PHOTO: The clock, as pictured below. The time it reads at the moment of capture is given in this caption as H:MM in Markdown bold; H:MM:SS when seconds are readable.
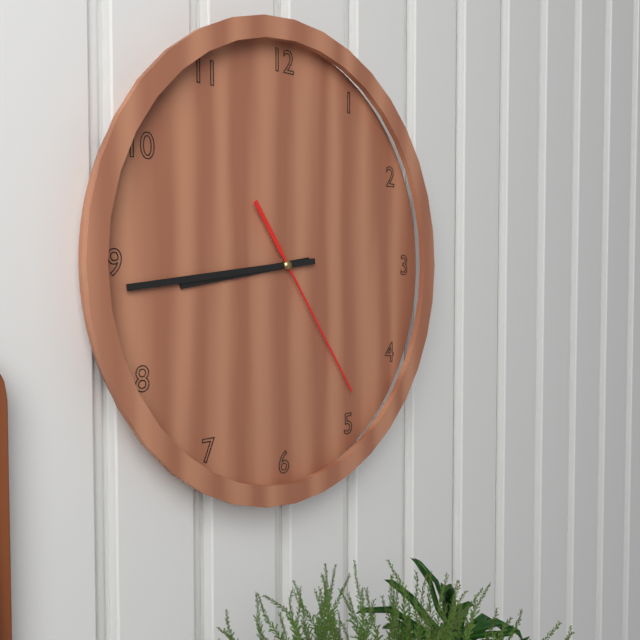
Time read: **8:44:24**
